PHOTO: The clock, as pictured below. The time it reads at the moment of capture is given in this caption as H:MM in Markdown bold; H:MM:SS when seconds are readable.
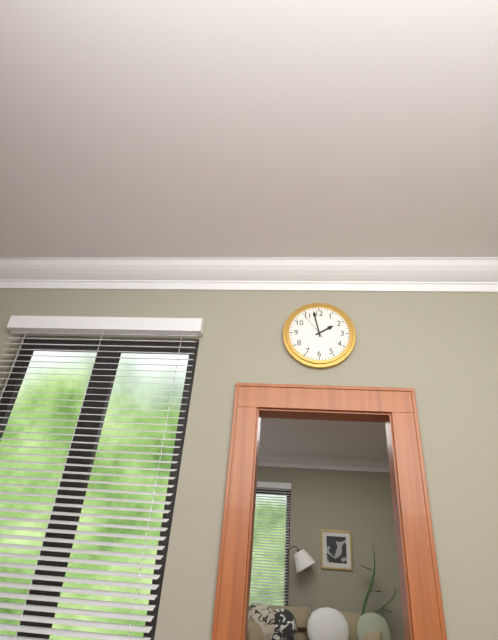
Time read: **1:58**
